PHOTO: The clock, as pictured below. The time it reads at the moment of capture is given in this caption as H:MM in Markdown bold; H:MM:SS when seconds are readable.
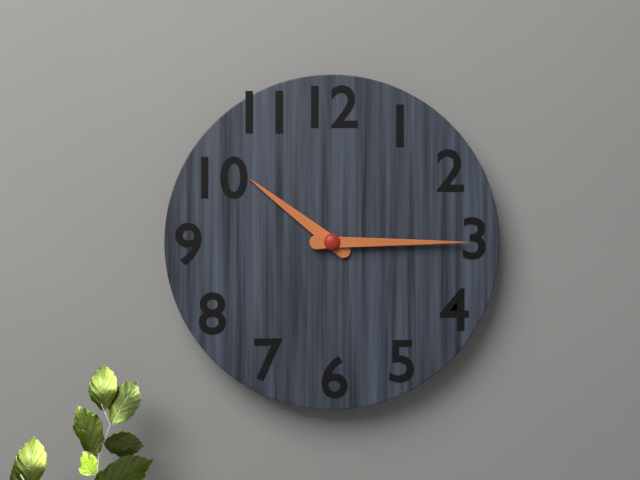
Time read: **10:15**
